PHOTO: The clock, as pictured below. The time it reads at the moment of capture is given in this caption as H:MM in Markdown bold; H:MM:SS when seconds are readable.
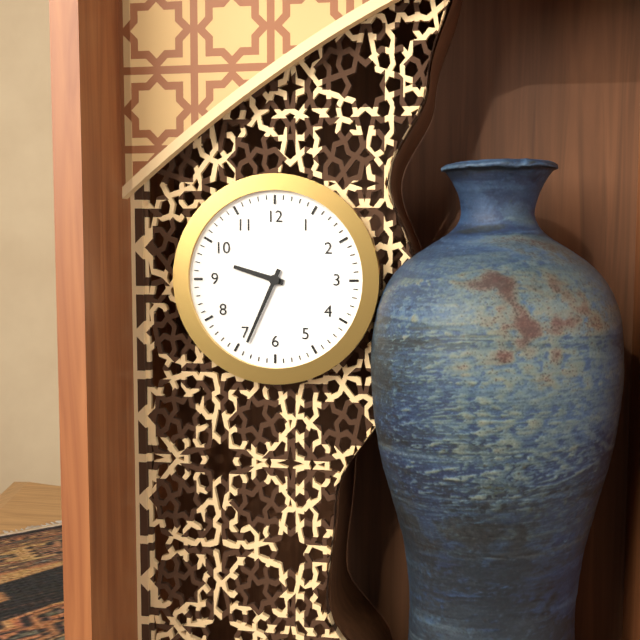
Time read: **9:34**
